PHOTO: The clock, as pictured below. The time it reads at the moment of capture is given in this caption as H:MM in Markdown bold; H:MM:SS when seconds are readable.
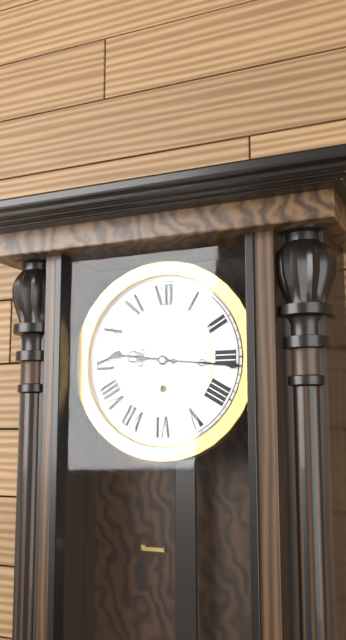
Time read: **9:16**
